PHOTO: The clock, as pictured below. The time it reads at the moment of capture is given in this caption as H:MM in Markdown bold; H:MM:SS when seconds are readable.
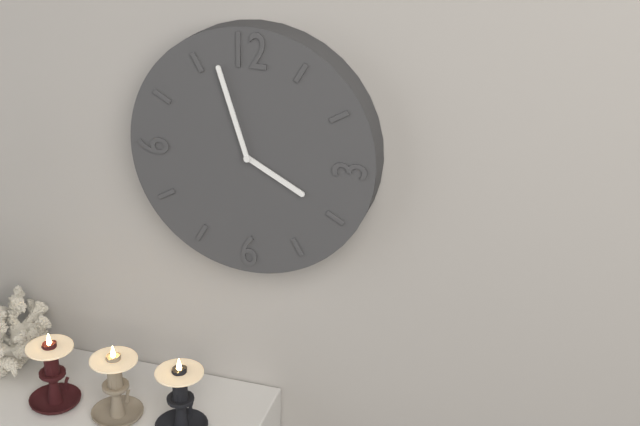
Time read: **3:57**
